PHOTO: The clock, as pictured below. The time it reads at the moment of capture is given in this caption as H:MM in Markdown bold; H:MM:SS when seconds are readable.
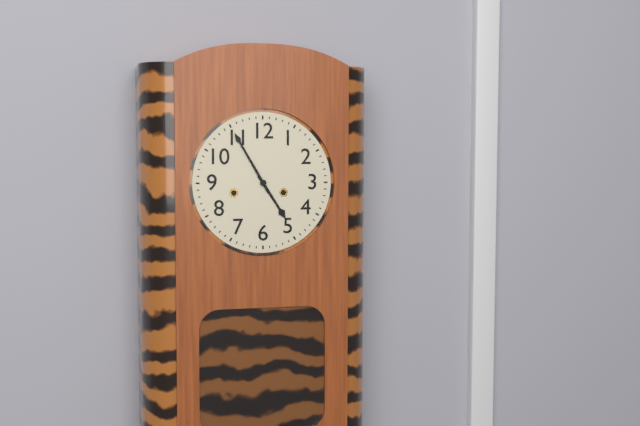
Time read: **4:55**
